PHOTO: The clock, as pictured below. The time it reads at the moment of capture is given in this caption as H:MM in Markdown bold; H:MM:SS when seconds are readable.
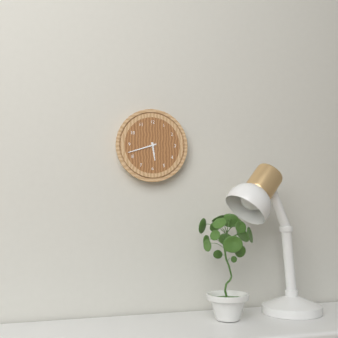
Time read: **5:42**
